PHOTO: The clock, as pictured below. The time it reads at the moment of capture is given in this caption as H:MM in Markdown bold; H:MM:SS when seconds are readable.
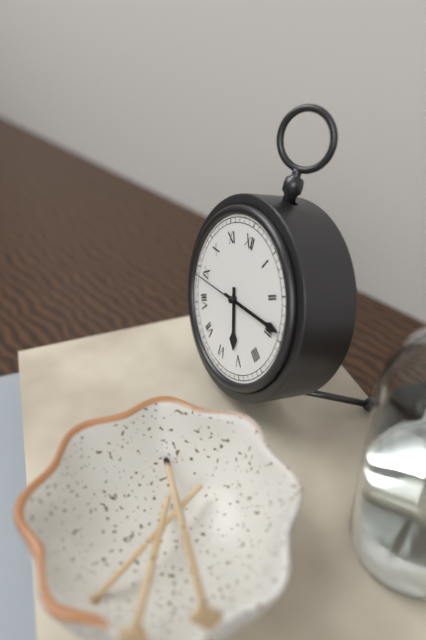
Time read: **5:14:44**
